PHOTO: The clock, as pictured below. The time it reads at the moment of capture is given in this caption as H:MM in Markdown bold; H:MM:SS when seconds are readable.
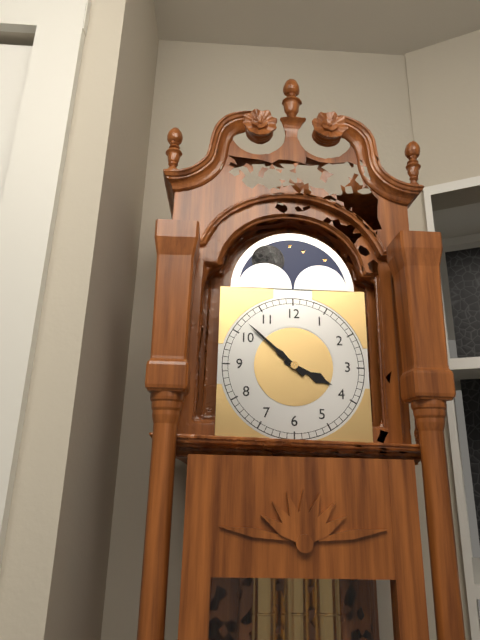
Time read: **3:52**
